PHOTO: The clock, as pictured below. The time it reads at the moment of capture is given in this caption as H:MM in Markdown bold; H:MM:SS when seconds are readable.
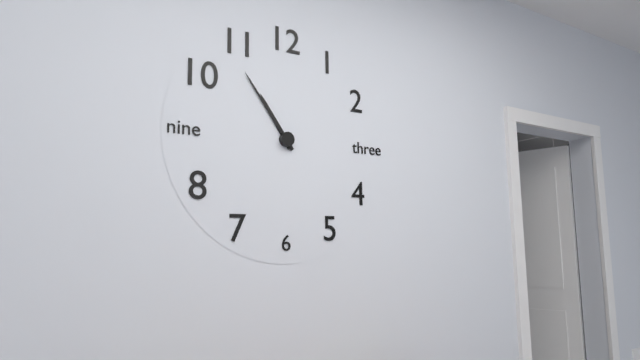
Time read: **10:54**
